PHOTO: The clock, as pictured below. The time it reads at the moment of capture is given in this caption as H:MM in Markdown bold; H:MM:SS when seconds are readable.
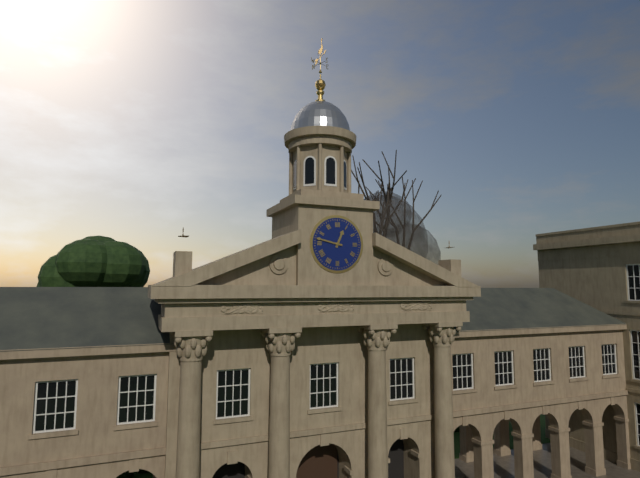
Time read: **12:47**
